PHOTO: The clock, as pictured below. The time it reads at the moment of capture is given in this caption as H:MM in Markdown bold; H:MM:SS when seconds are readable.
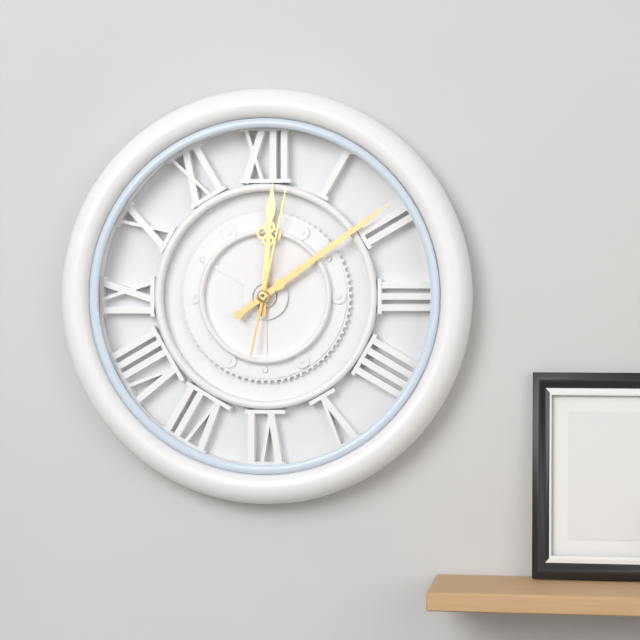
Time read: **12:09:02**
